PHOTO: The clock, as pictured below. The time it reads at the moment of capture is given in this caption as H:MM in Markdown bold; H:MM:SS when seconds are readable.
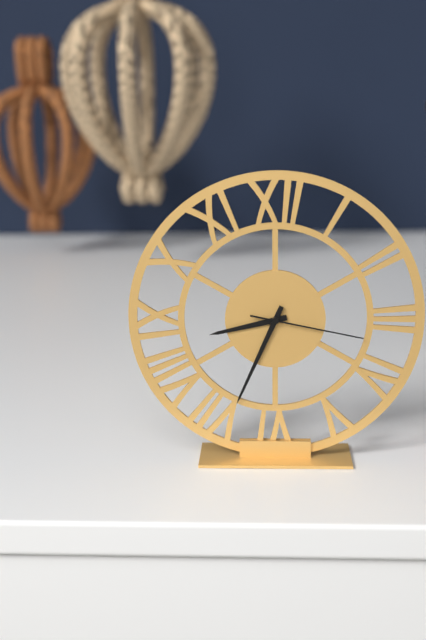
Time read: **8:34:17**
